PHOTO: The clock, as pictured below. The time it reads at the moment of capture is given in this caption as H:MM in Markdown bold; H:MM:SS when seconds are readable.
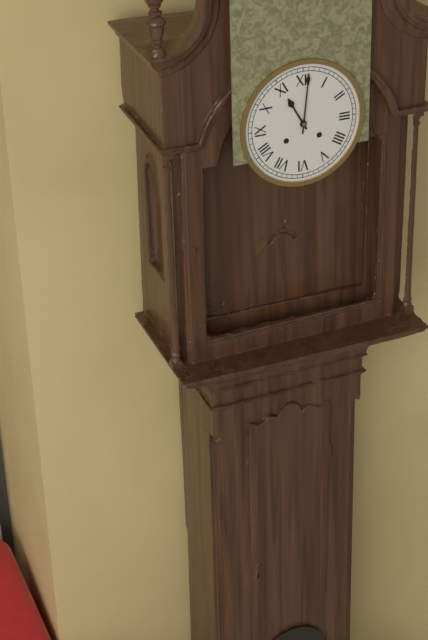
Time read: **11:01**
